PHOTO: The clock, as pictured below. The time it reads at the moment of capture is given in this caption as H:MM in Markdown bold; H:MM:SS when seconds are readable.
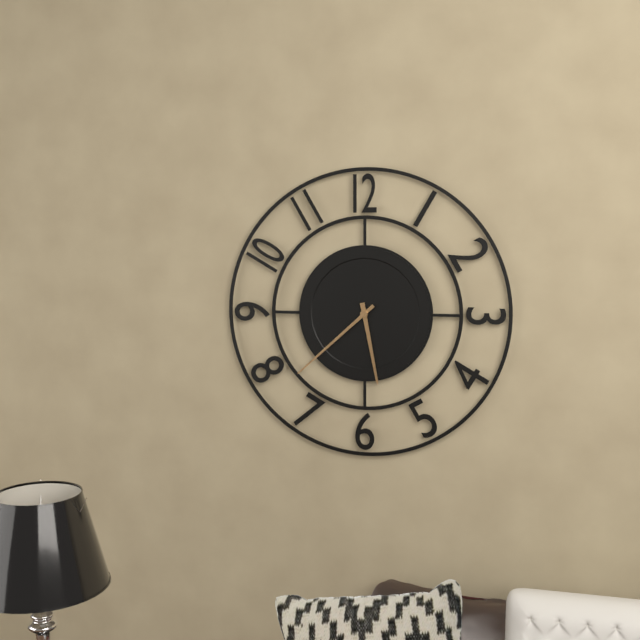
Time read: **5:38**
